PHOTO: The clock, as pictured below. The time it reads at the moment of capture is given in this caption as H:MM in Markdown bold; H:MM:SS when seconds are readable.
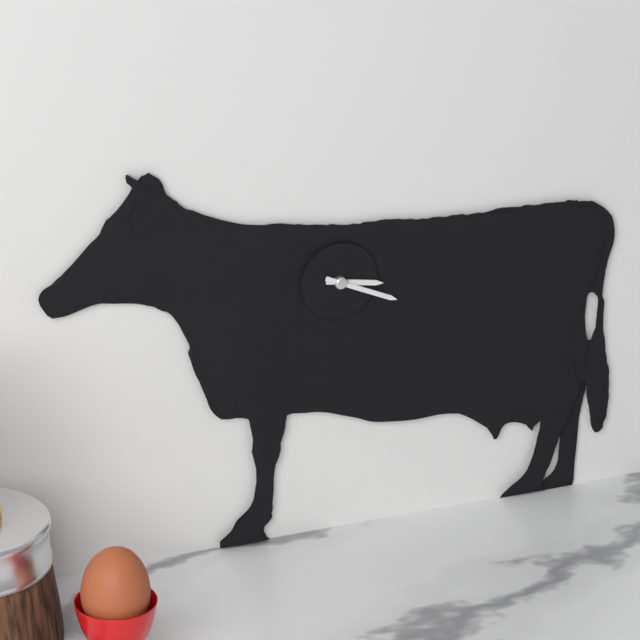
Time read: **3:19**
